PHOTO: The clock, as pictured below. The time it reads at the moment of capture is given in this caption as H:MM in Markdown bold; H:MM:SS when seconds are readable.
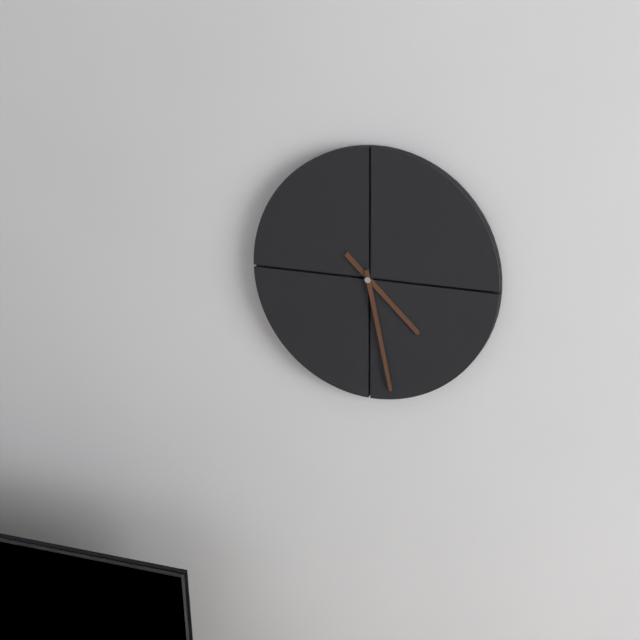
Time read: **4:28**
